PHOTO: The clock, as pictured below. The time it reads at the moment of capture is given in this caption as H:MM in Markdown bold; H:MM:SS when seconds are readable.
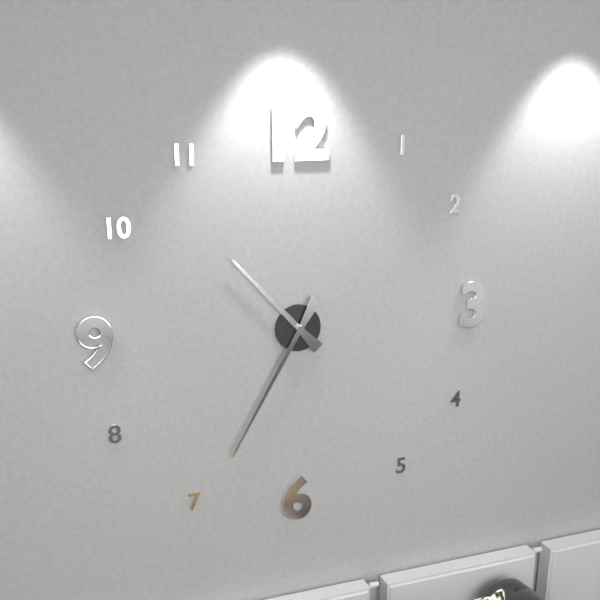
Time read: **10:35**
